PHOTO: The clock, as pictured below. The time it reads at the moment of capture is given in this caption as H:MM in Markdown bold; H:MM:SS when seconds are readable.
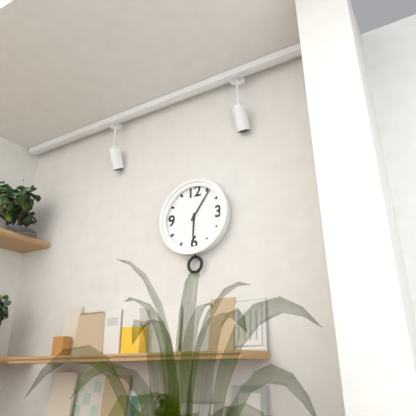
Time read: **6:06**
